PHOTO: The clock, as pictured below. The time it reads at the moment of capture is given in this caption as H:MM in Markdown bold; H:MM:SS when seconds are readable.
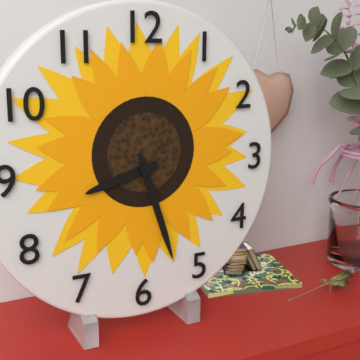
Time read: **8:27**
